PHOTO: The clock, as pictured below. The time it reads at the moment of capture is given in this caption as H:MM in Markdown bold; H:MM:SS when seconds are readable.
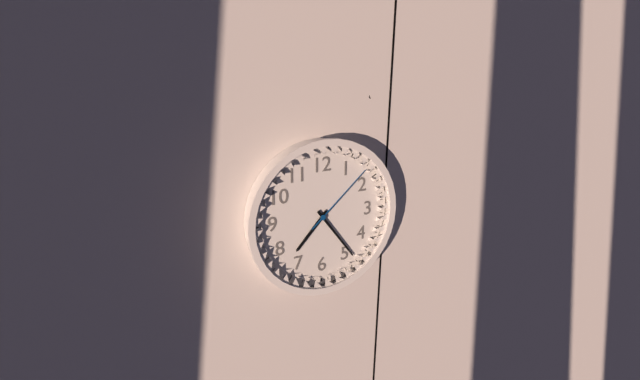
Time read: **7:24:08**
